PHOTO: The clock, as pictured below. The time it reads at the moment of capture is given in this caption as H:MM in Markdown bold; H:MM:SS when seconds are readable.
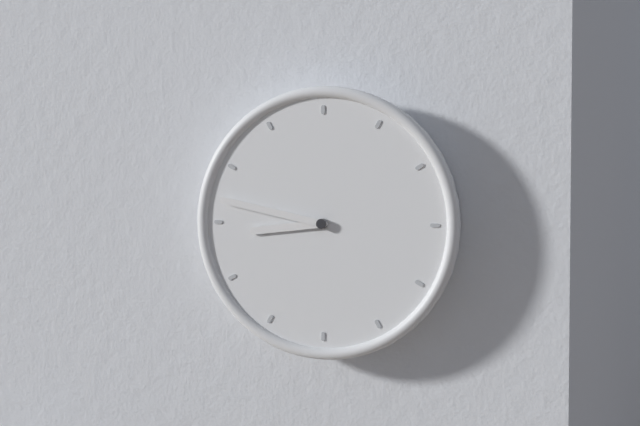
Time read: **8:47**
